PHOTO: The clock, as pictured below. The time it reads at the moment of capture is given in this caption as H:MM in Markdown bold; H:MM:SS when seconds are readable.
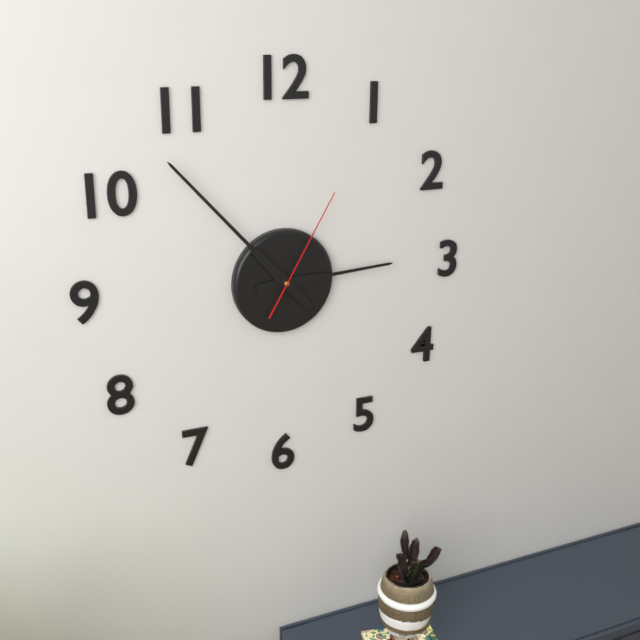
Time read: **2:53:05**
